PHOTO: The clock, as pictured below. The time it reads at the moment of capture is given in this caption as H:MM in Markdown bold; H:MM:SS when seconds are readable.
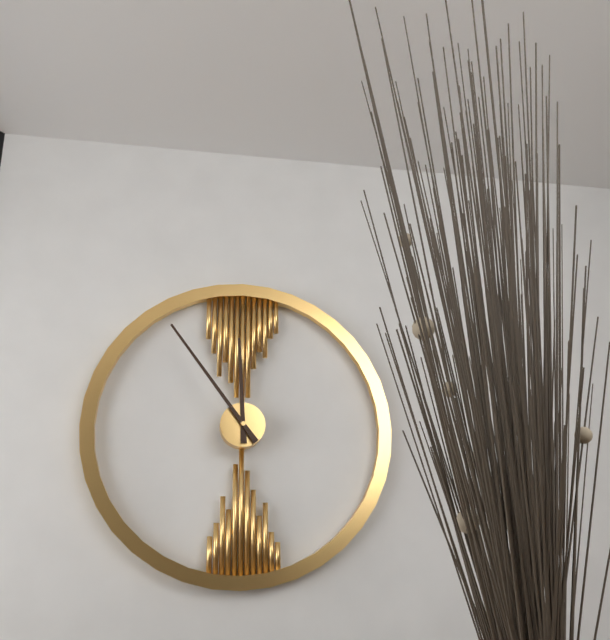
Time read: **11:54**
